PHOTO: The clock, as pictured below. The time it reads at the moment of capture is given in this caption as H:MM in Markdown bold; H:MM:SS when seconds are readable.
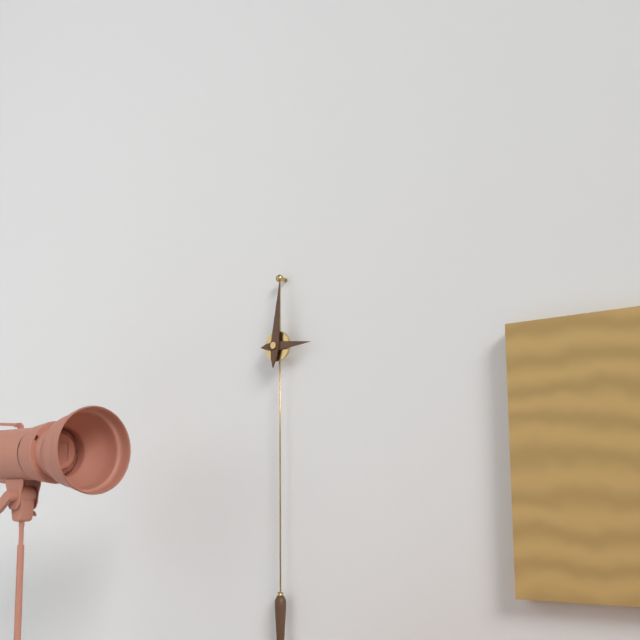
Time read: **3:01**
